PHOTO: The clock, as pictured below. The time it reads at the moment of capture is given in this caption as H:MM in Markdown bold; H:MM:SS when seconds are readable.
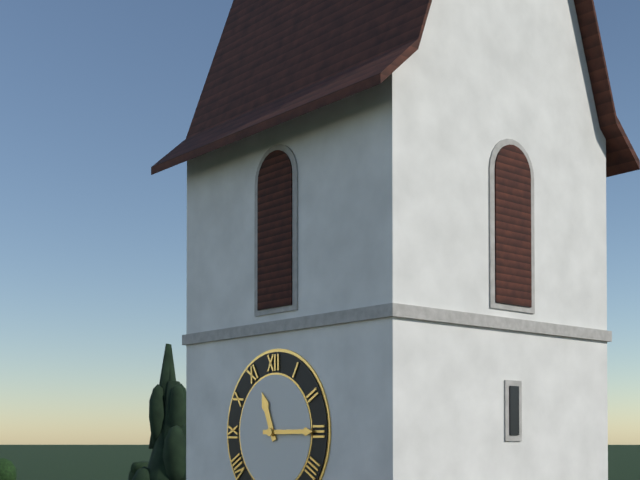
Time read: **11:15**
